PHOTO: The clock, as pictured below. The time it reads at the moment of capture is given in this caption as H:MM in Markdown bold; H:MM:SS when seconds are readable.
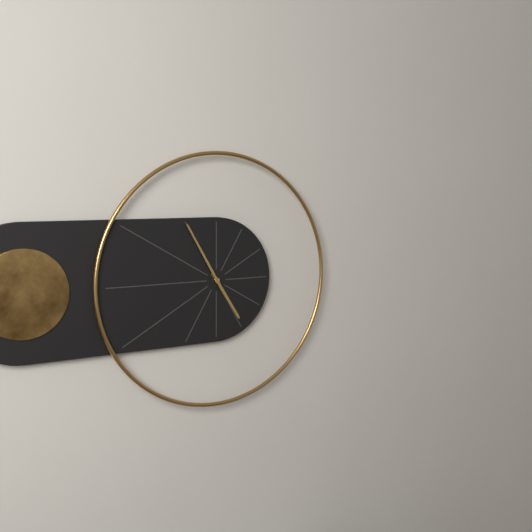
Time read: **4:55**
